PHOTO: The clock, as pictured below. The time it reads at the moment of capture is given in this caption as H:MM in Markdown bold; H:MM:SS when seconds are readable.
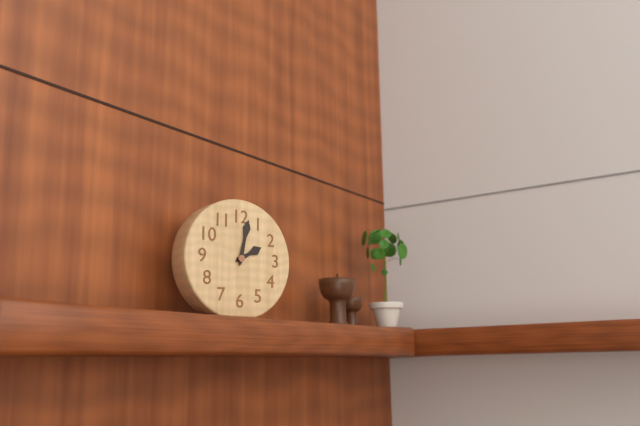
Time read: **2:02**
